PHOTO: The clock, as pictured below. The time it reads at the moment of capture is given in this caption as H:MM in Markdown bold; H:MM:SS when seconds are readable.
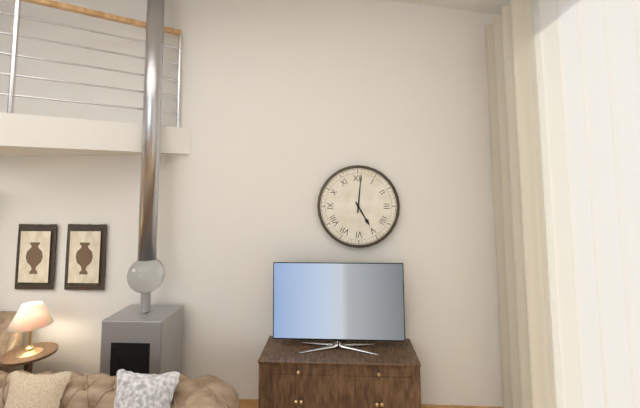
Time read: **5:01**
